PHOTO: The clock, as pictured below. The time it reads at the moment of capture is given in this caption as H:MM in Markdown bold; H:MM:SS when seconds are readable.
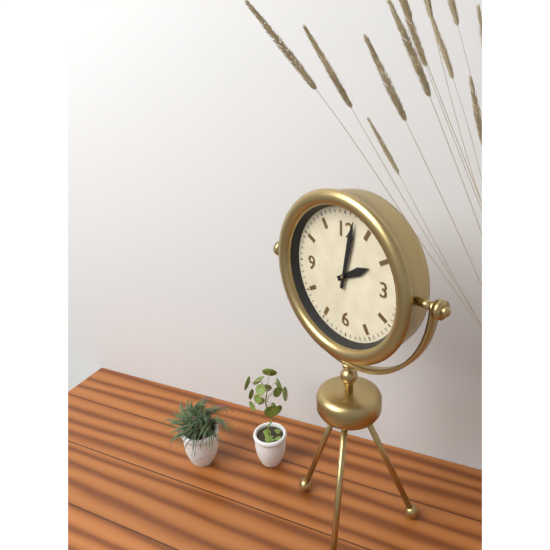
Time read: **2:02**
